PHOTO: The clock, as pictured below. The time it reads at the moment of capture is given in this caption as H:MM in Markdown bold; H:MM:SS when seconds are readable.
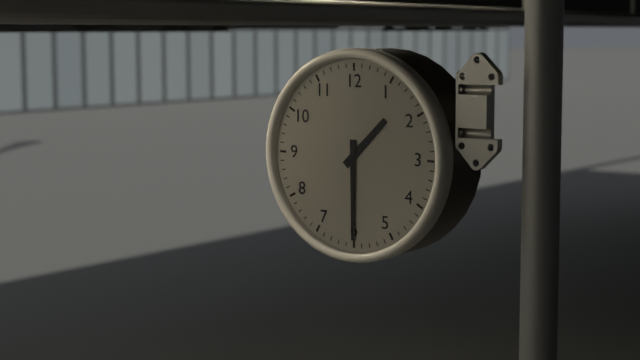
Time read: **1:30**
